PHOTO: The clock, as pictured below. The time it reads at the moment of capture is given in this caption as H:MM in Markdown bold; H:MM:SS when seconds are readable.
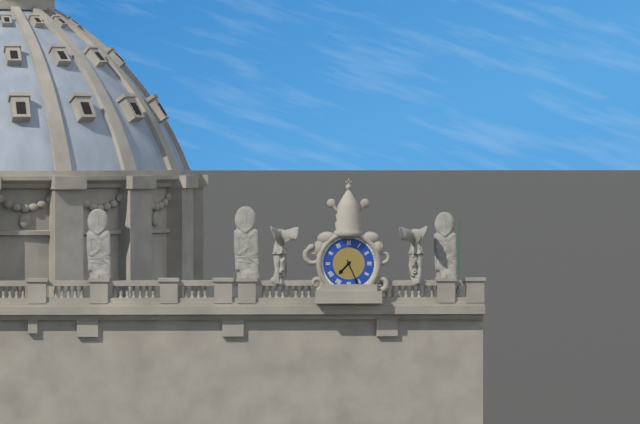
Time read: **7:26**
